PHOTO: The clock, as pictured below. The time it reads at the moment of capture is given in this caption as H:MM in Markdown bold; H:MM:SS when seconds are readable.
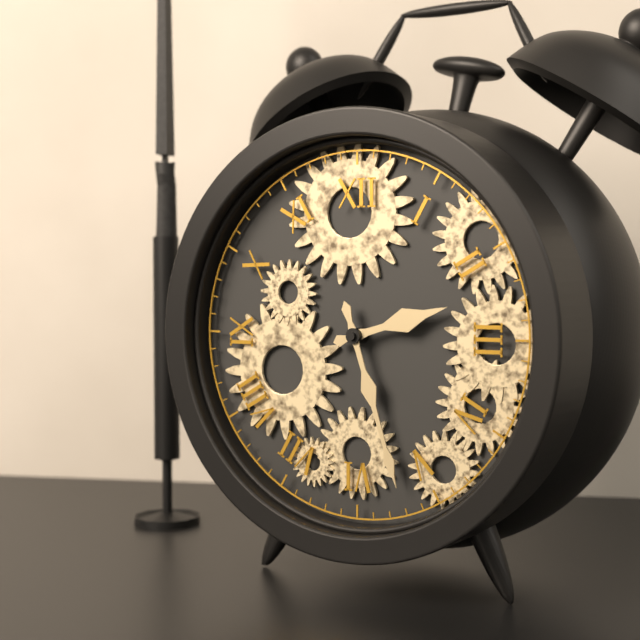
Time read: **2:27**
